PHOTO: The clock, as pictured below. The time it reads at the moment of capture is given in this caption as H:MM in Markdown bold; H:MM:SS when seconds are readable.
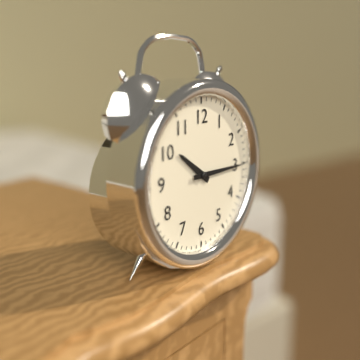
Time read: **10:15**
